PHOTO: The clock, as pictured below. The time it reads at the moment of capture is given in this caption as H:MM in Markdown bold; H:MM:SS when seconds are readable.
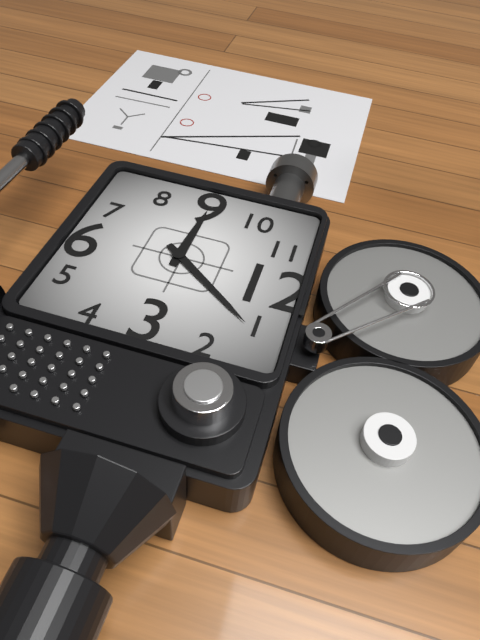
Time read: **9:06**
